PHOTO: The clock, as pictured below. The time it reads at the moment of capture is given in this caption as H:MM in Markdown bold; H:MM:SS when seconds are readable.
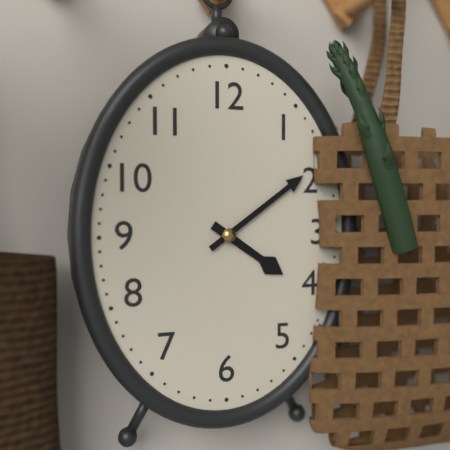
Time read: **4:09**
